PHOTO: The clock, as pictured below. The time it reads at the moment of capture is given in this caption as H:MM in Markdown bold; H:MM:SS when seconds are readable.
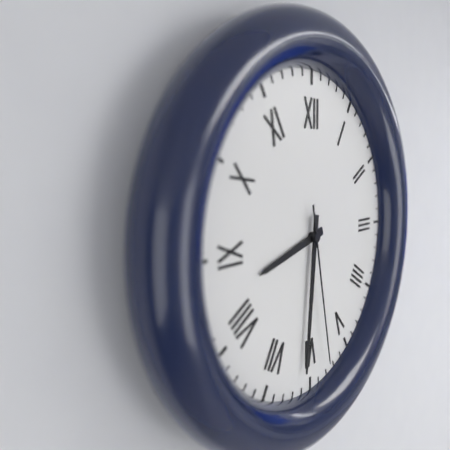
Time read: **8:31:28**
